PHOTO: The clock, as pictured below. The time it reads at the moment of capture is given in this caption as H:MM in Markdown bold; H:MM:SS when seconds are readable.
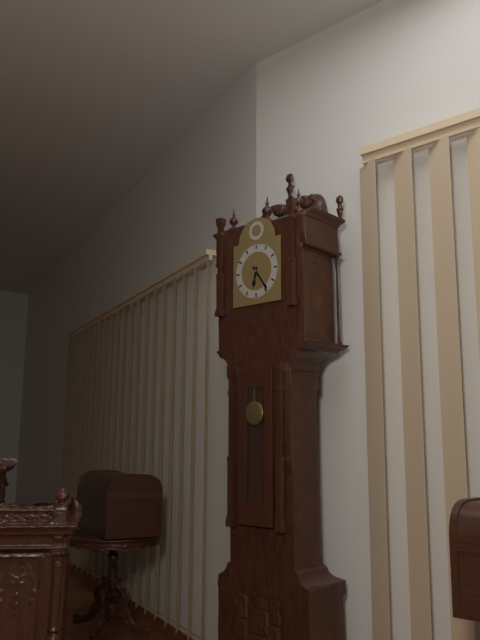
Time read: **6:24**
